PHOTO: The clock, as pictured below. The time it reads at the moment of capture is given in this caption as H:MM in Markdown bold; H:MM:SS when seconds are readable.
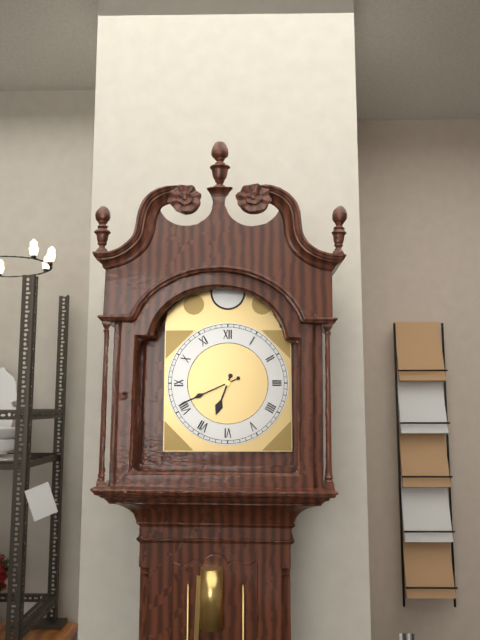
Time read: **6:41**
